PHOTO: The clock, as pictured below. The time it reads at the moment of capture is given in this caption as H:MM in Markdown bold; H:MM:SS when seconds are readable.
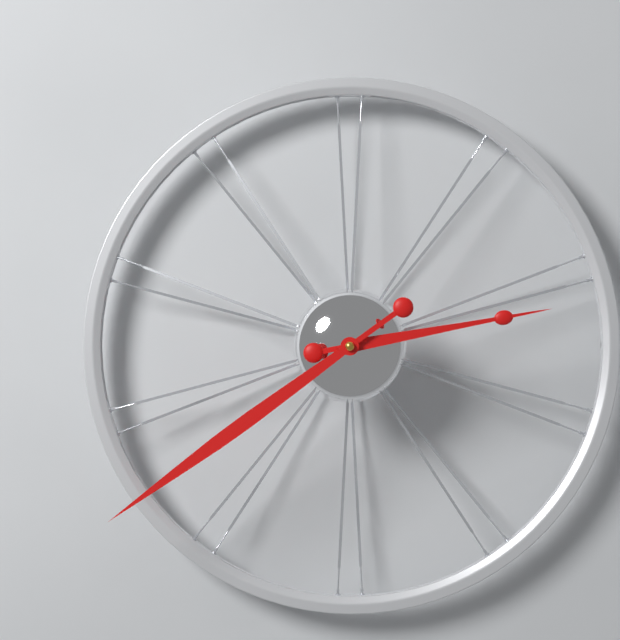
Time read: **2:39**
